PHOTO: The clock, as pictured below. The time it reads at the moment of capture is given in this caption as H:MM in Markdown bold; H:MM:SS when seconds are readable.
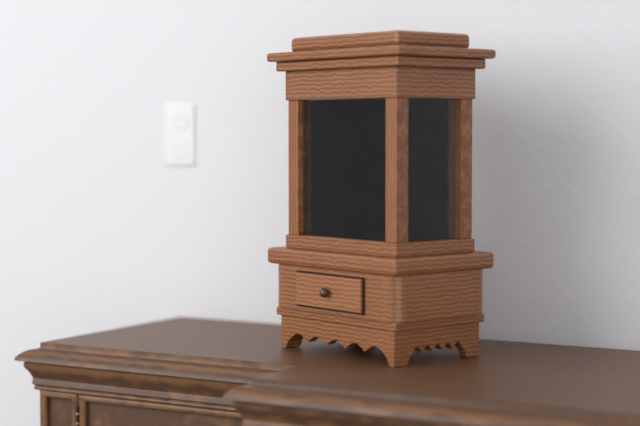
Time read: **5:50**
